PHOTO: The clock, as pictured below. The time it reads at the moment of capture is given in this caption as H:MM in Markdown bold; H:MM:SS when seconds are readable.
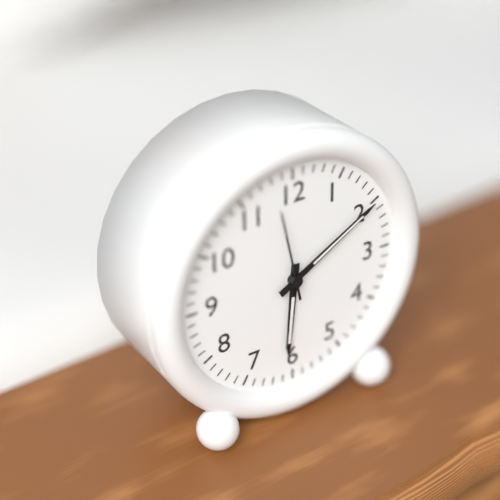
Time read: **6:10:58**
